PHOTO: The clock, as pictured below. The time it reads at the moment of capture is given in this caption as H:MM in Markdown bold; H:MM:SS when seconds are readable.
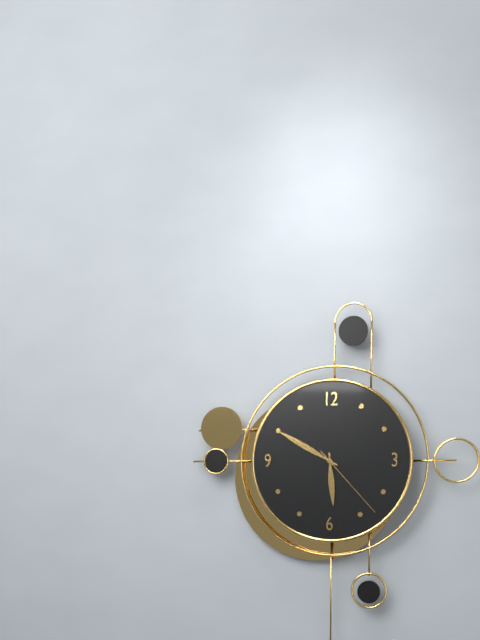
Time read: **5:50:23**
